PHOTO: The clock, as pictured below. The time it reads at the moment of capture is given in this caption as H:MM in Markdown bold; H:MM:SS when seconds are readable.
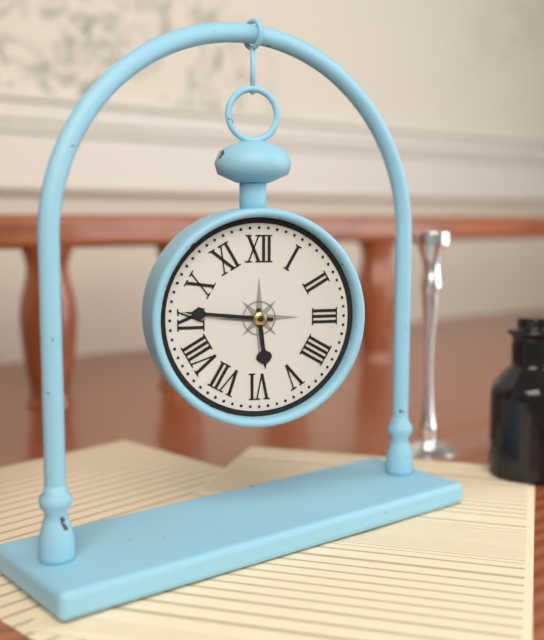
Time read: **5:46**
